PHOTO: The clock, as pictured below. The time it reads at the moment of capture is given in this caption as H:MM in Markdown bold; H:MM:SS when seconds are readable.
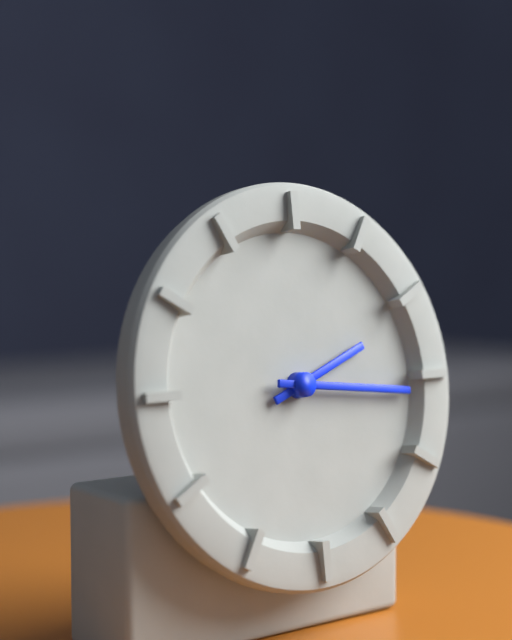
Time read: **2:16**
